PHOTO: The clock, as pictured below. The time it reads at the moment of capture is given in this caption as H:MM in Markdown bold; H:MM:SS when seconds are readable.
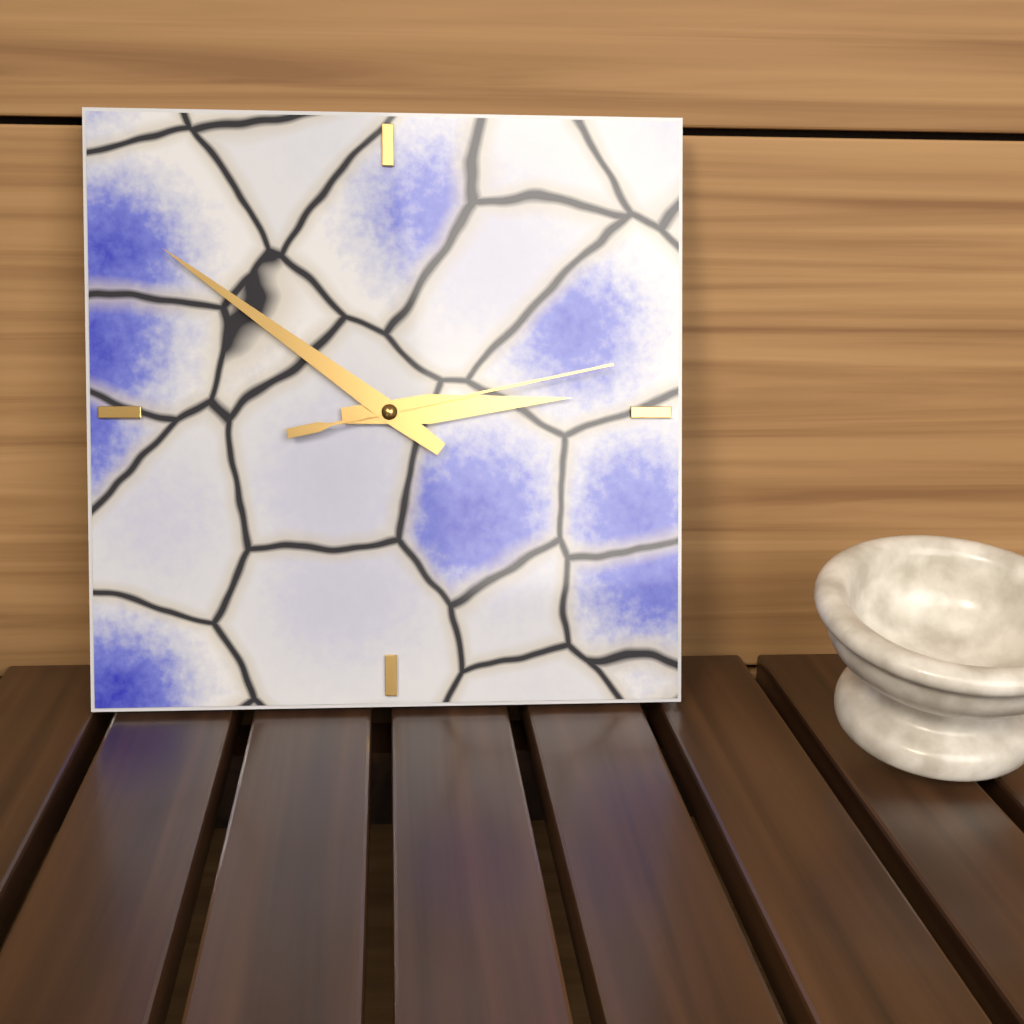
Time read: **2:51:13**
